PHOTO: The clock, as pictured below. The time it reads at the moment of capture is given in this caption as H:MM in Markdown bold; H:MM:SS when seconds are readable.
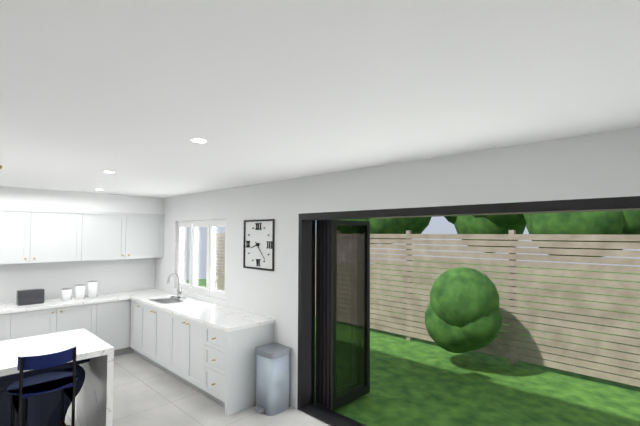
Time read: **8:23**
